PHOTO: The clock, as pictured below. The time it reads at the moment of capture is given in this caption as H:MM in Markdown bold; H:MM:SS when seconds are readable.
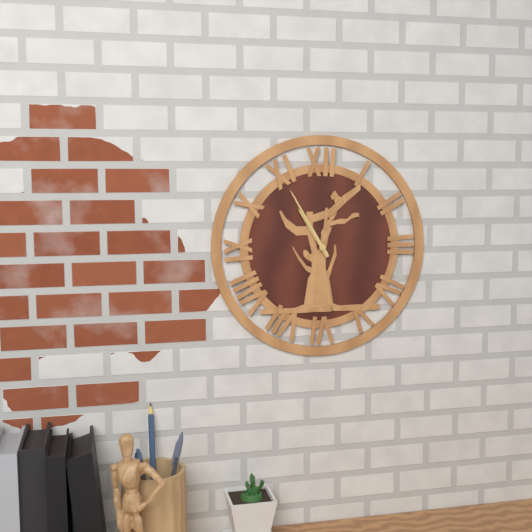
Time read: **10:55**
